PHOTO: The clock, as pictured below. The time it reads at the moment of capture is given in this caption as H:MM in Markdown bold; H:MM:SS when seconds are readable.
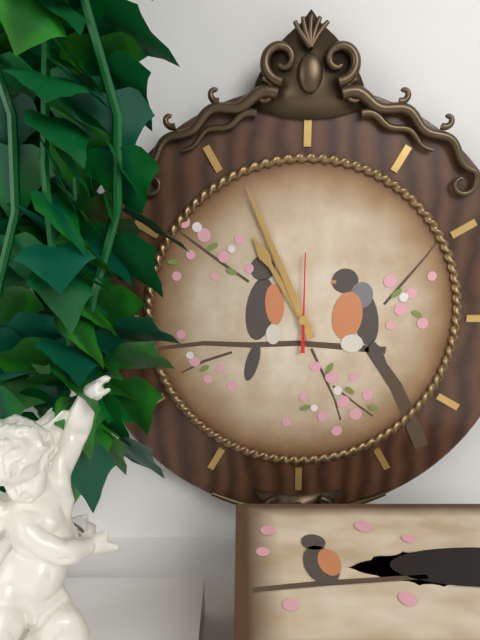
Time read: **10:56:00**
